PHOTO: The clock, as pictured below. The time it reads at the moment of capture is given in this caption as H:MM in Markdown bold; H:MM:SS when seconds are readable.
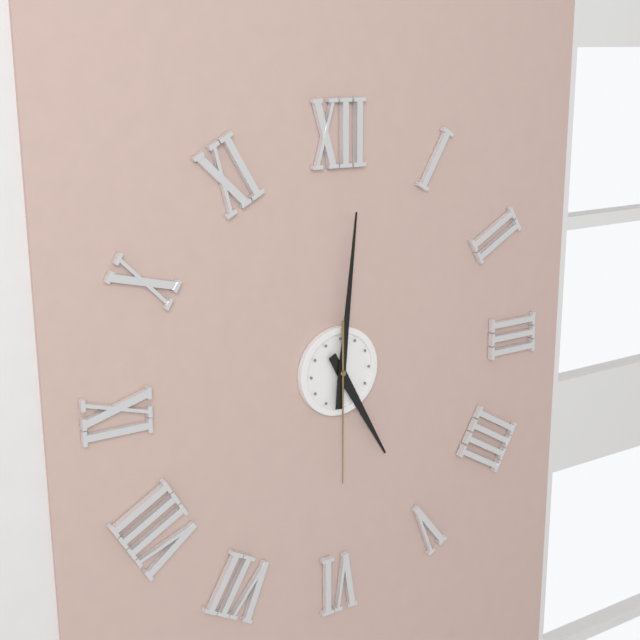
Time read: **5:01:30**
